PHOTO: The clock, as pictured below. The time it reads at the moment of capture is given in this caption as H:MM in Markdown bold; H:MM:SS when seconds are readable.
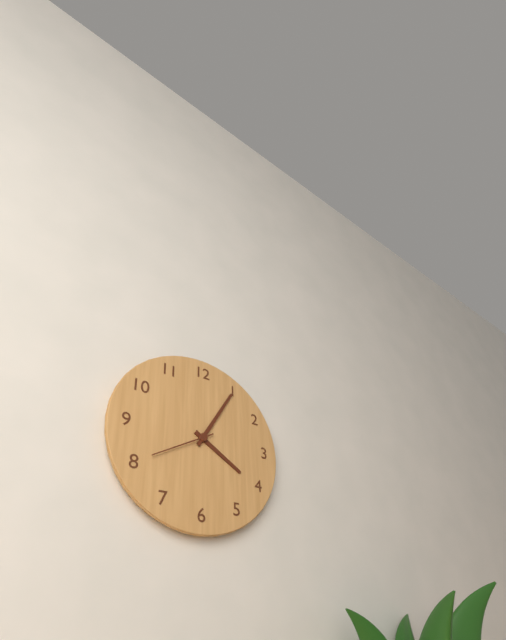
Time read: **4:05:40**
